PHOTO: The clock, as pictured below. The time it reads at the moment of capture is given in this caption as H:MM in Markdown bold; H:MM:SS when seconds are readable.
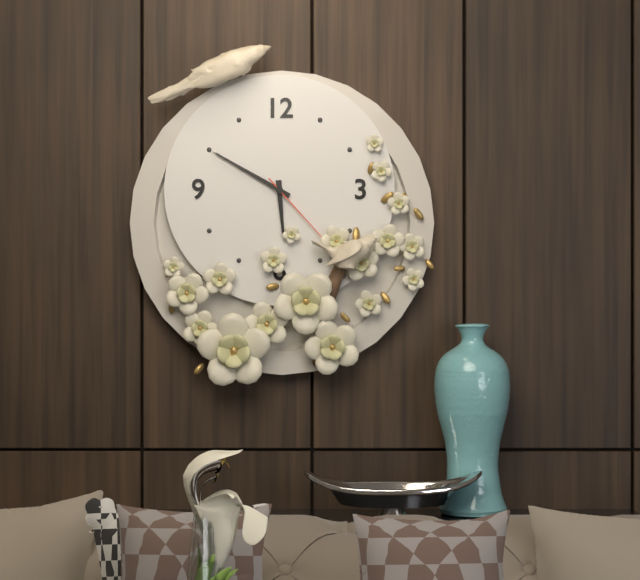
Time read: **5:50:23**
